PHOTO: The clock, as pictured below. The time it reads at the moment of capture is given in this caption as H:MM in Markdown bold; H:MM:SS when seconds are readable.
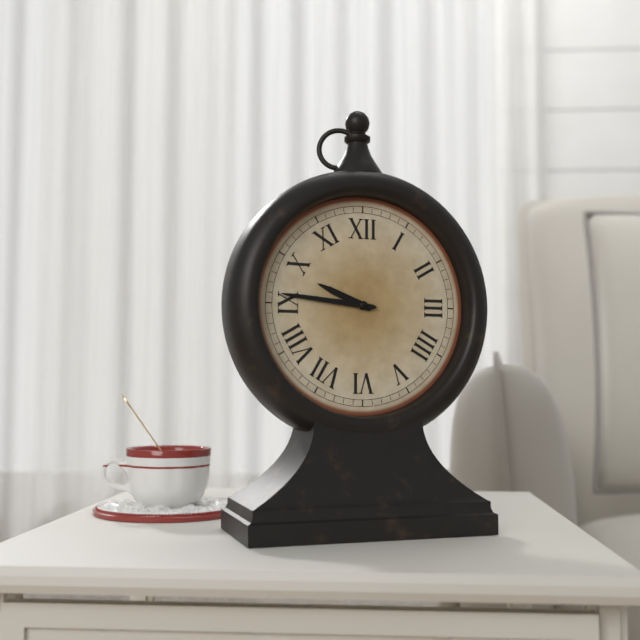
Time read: **9:46**
